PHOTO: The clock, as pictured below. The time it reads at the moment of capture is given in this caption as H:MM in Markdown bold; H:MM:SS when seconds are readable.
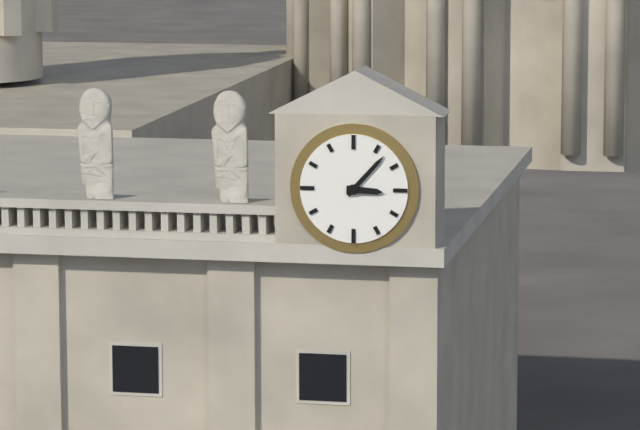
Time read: **3:07**
